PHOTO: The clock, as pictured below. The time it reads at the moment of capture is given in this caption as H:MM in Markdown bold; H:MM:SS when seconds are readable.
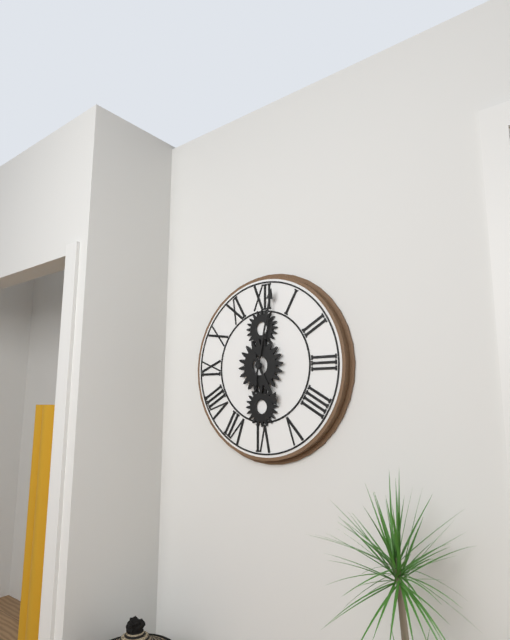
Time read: **5:02**
